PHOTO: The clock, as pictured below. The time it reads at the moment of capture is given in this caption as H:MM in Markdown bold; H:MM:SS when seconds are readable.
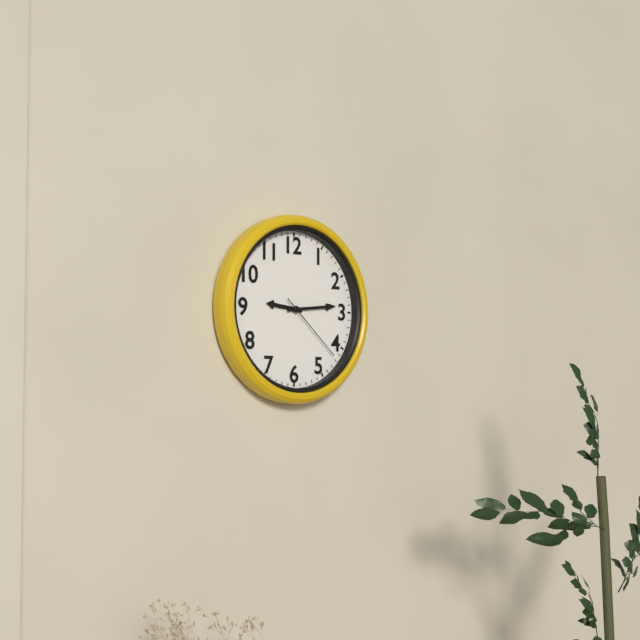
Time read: **9:14:22**
